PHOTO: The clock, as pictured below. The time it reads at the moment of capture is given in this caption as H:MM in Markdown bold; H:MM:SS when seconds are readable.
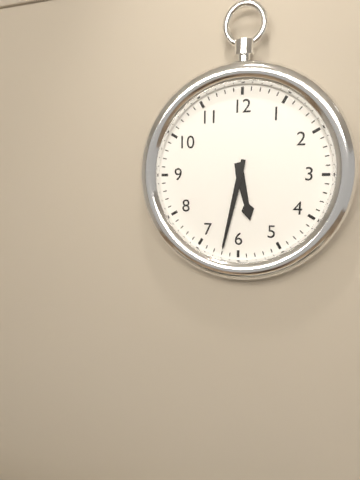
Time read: **5:32**
